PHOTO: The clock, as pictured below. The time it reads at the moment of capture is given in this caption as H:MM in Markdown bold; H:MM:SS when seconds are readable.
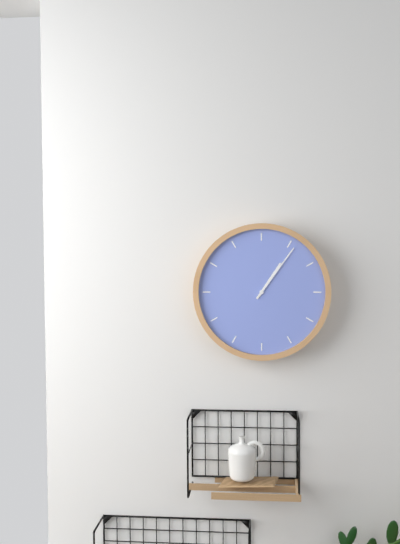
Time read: **1:06**
